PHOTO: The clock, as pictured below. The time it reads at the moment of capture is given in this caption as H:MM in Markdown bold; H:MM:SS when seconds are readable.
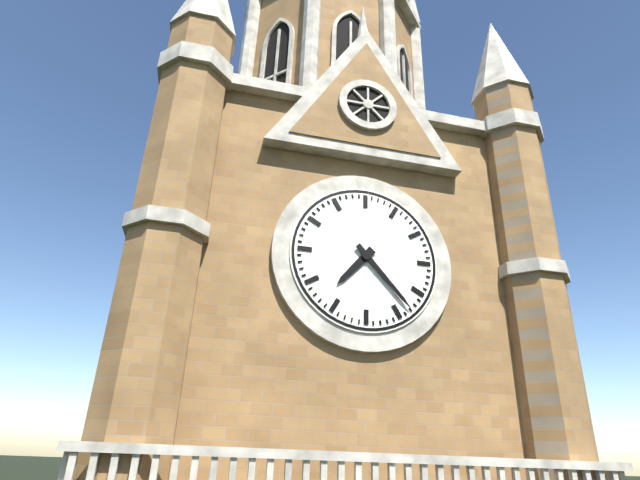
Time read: **7:23**
